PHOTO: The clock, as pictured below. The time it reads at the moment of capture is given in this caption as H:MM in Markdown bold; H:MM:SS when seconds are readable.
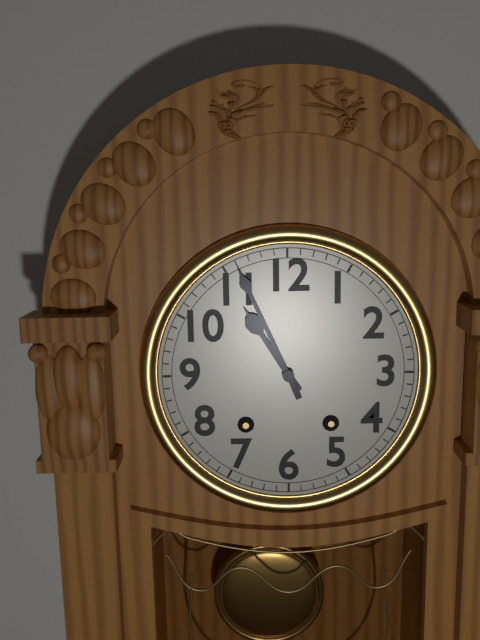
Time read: **10:56**
